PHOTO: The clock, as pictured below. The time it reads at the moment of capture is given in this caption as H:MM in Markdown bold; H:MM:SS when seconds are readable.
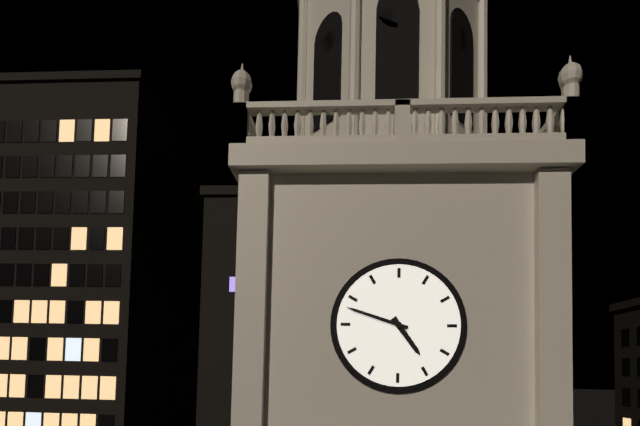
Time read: **4:48**
